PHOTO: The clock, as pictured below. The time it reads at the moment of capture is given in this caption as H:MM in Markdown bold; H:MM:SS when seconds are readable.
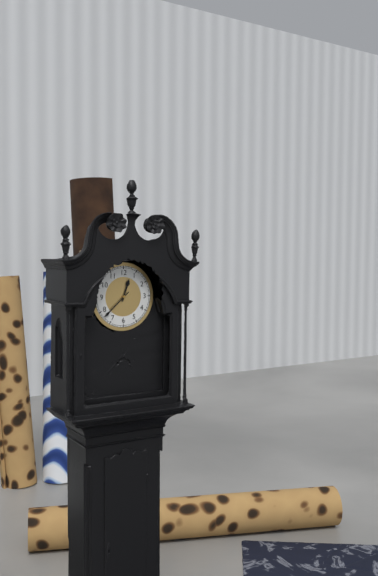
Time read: **12:38**
